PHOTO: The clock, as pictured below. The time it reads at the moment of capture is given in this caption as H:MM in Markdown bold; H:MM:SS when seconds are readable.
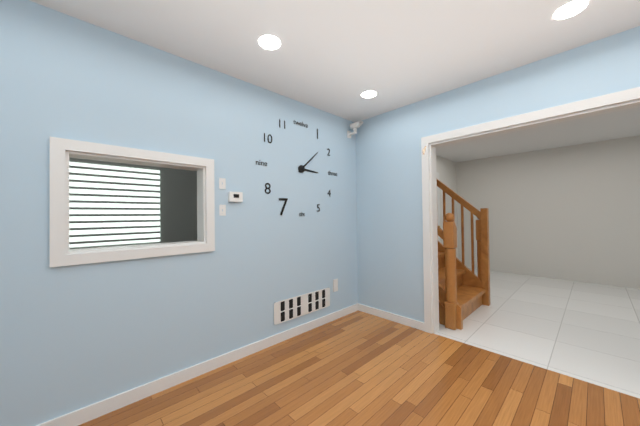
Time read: **3:08**
